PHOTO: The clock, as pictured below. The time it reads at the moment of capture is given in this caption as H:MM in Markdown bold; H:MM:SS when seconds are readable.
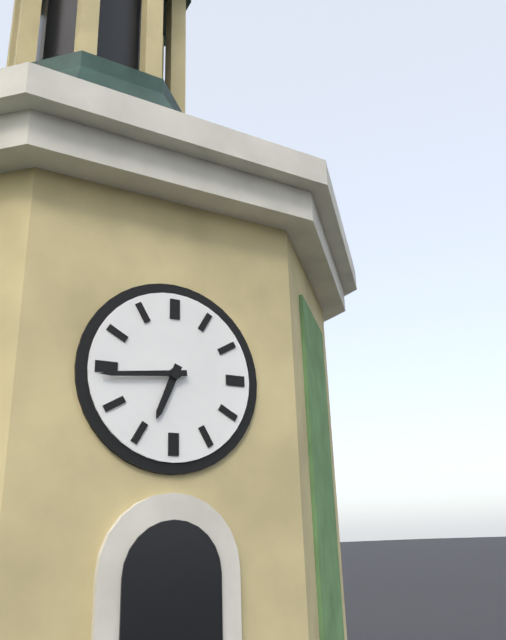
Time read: **6:44**
